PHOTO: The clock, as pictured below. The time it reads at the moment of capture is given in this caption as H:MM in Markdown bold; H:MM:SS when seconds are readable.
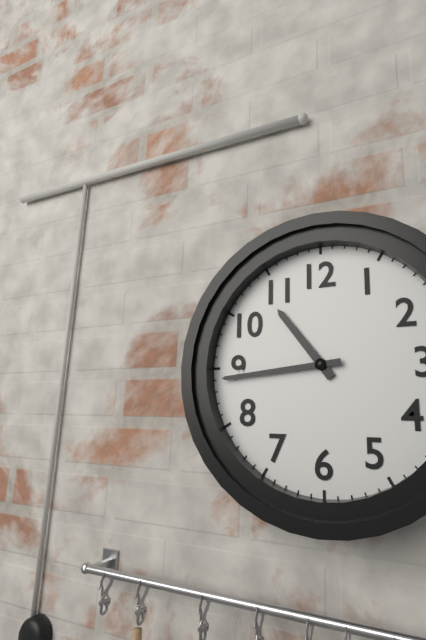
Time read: **10:44**
